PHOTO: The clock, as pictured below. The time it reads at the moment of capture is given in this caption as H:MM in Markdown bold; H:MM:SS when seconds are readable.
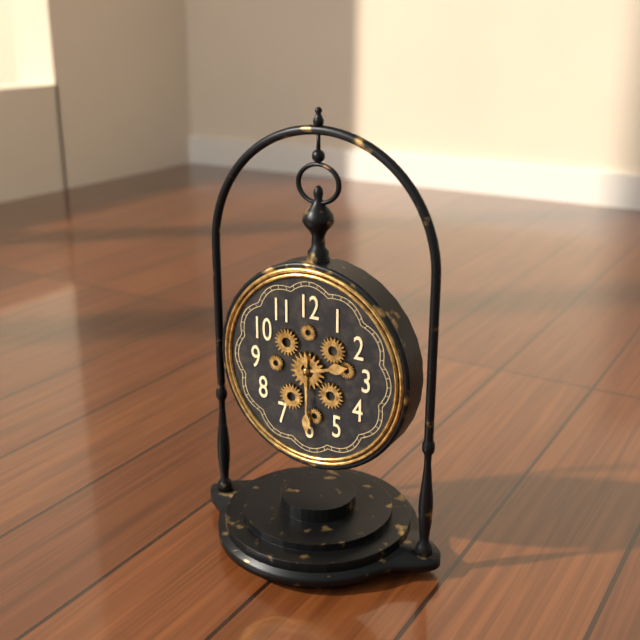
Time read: **2:30**
